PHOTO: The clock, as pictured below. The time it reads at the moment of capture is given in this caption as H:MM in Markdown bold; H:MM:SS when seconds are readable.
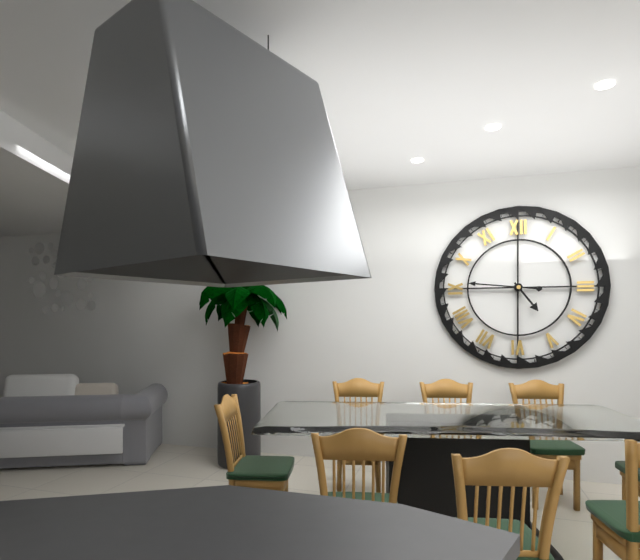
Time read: **4:46**
